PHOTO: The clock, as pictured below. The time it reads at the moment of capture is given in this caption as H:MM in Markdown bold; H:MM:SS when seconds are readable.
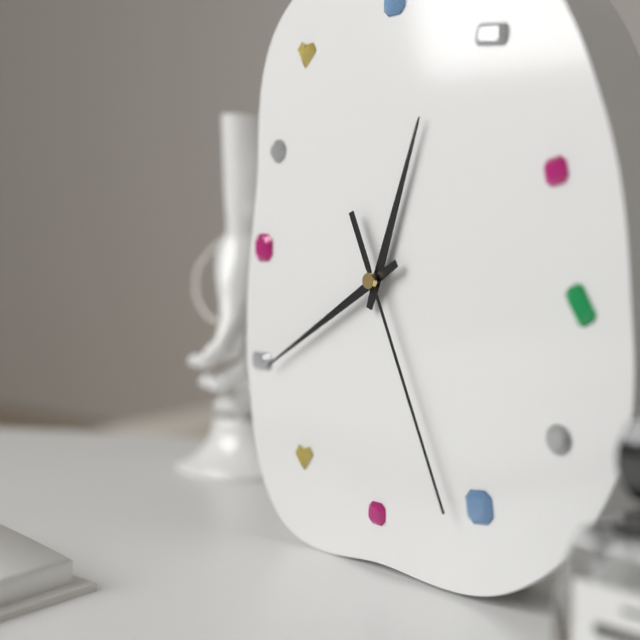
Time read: **12:40:26**
